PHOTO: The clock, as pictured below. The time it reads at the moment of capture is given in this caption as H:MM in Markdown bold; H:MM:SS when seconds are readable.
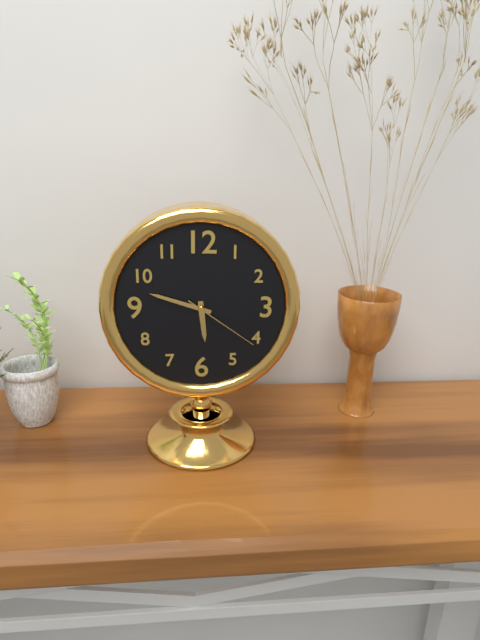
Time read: **5:48:21**
